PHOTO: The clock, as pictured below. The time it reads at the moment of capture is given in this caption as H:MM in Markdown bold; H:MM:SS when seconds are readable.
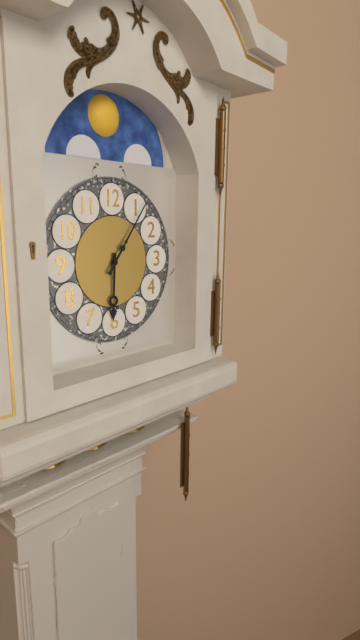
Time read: **6:06**
